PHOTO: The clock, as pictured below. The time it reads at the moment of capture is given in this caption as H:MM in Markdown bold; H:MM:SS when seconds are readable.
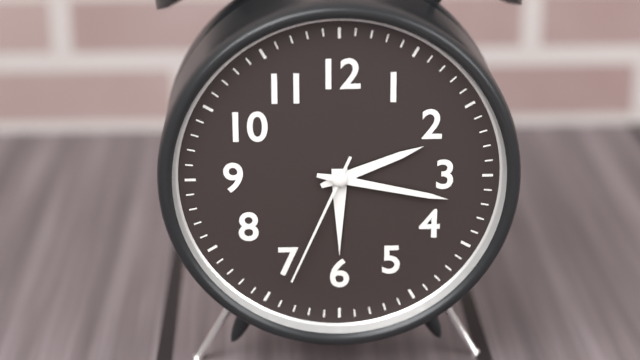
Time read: **2:17:34**
